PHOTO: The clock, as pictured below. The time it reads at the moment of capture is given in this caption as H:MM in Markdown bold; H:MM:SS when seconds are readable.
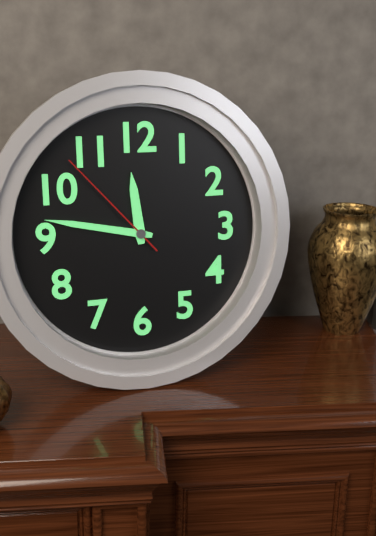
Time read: **11:47:53**
